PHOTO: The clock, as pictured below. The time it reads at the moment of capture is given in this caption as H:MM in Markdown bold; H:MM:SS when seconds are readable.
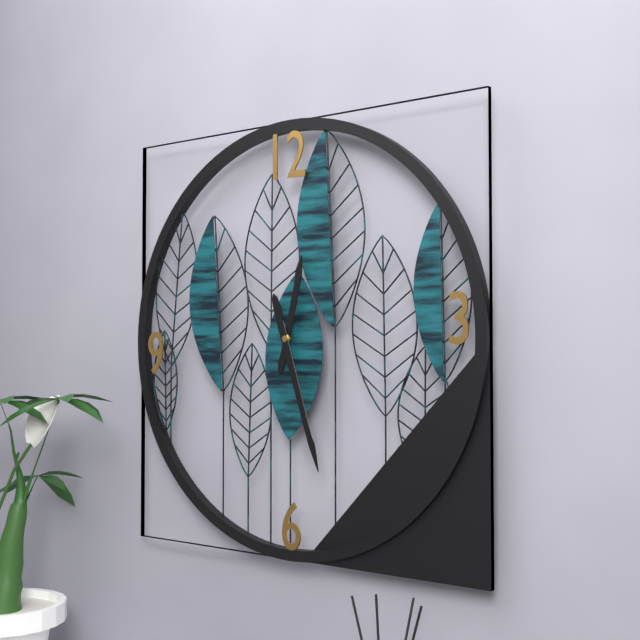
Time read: **12:27**
